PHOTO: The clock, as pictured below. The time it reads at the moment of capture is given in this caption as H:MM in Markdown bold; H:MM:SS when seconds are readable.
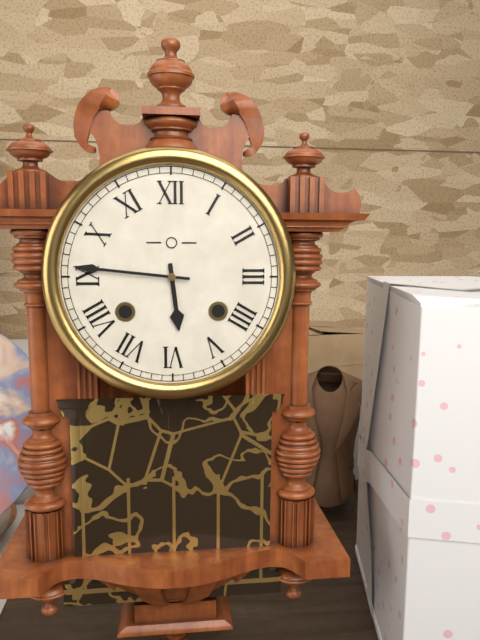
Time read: **5:46**
